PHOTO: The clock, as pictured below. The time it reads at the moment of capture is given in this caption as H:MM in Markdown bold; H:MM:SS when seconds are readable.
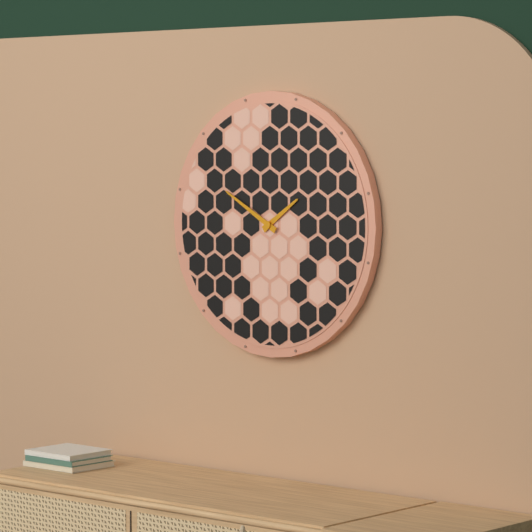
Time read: **1:50**
